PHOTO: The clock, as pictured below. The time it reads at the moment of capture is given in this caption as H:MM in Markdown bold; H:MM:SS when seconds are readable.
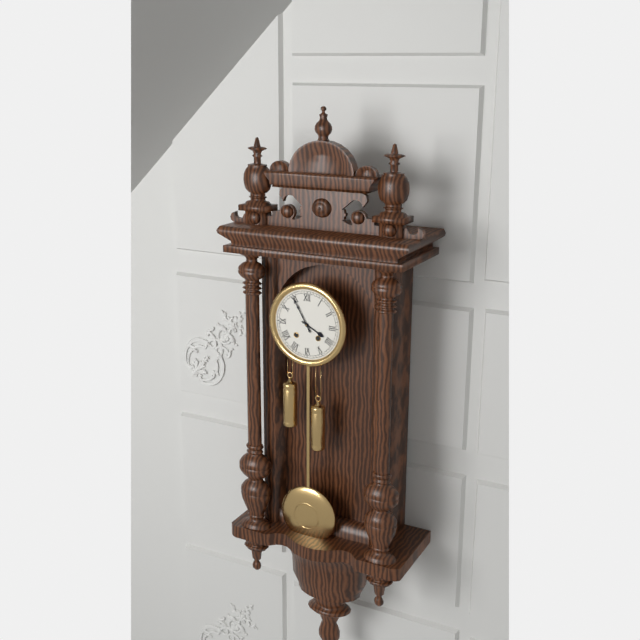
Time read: **3:55**
